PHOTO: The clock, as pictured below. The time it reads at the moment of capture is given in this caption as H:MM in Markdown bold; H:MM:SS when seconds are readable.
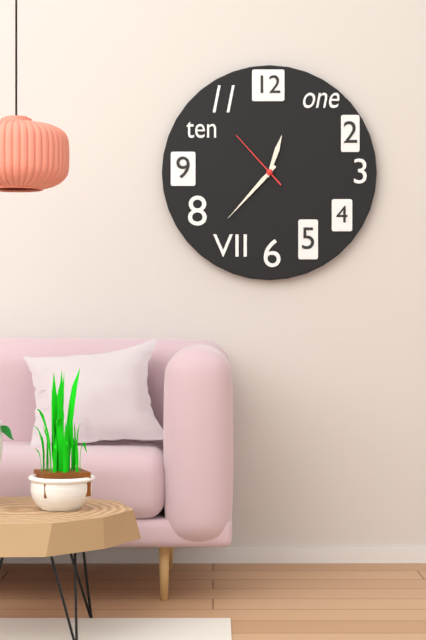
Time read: **12:37:53**
